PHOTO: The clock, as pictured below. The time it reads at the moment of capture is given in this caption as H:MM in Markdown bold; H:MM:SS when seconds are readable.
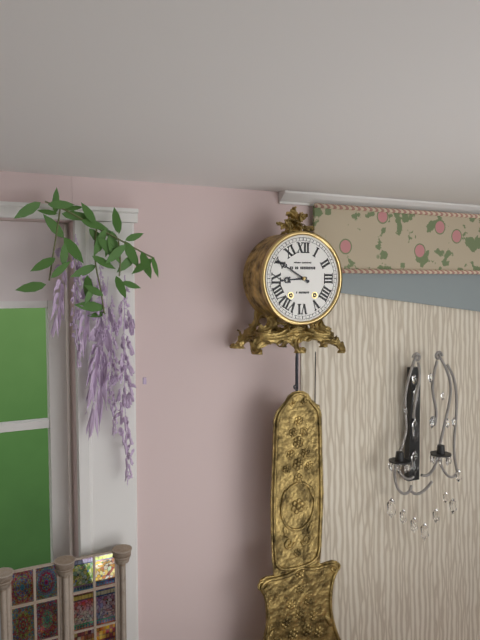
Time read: **8:50**
